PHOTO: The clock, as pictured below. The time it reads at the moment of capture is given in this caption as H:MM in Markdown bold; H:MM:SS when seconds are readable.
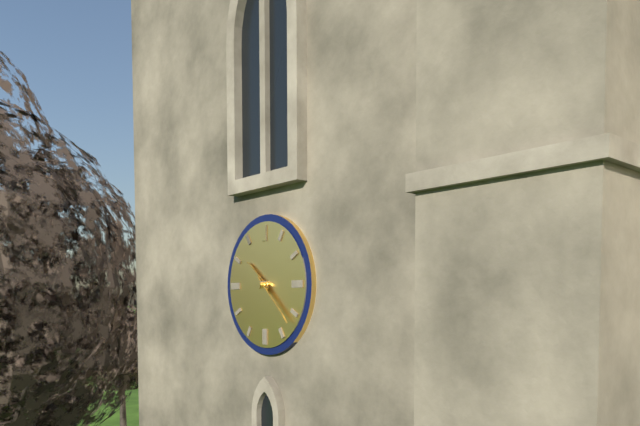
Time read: **10:22**
